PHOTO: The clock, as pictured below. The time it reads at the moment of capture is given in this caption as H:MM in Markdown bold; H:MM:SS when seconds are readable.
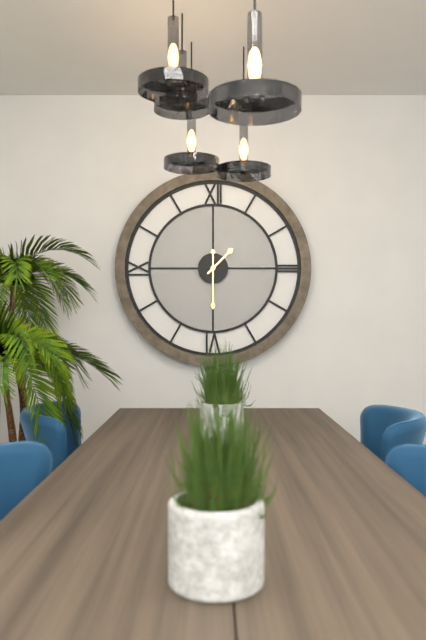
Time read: **1:30**
